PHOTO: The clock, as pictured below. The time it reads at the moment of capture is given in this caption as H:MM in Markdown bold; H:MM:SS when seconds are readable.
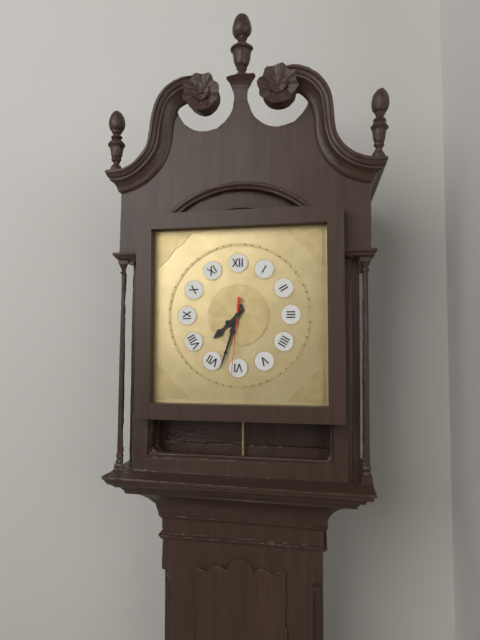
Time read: **7:33:31**
